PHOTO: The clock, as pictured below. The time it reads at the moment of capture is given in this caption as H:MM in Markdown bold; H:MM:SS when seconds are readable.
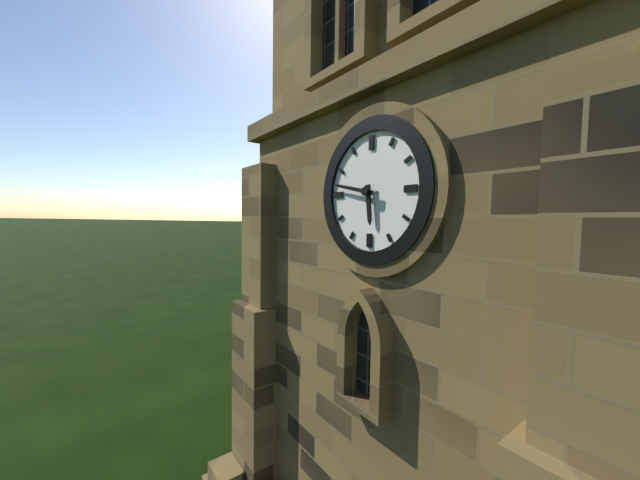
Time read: **5:47**
